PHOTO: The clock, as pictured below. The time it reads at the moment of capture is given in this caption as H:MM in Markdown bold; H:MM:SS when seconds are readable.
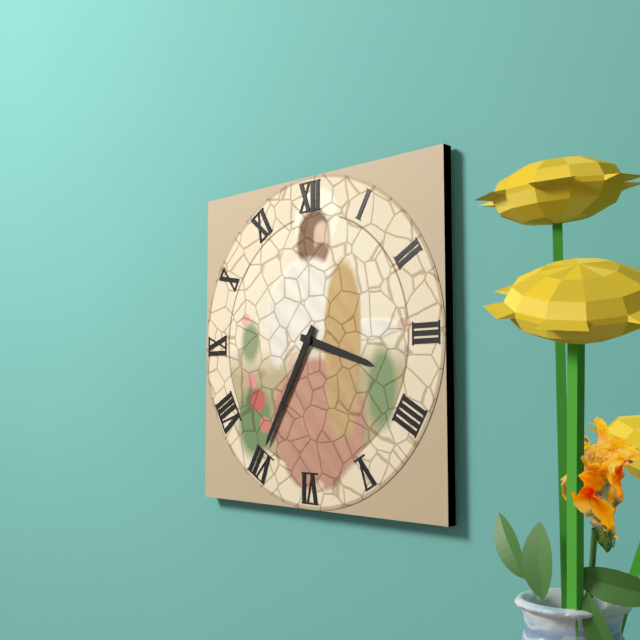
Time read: **3:35**
